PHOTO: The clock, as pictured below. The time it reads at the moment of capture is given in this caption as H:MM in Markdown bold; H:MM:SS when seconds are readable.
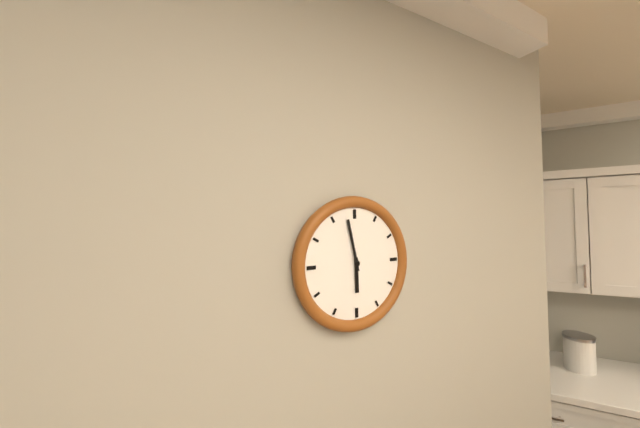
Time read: **5:58**
